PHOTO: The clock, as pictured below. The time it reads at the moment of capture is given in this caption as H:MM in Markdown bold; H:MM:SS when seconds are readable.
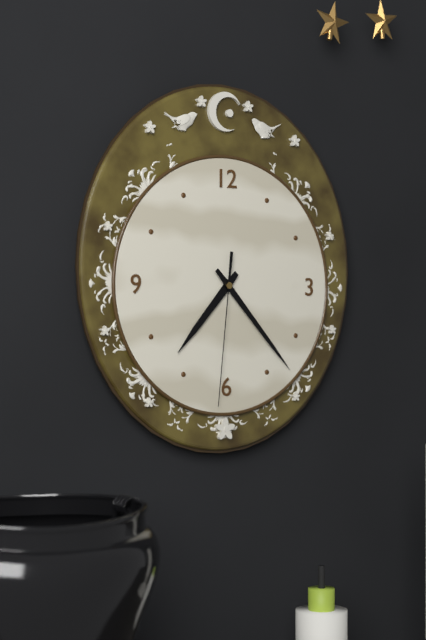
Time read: **7:23:31**
